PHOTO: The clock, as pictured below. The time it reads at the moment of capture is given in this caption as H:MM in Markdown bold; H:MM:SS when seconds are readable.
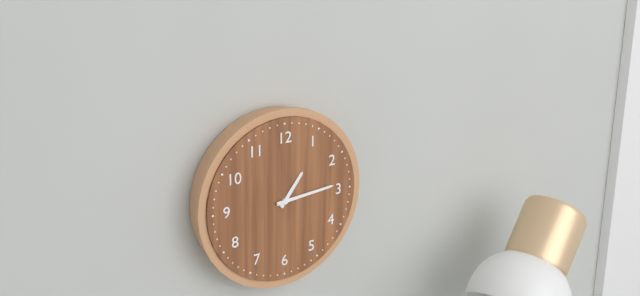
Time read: **1:14**
